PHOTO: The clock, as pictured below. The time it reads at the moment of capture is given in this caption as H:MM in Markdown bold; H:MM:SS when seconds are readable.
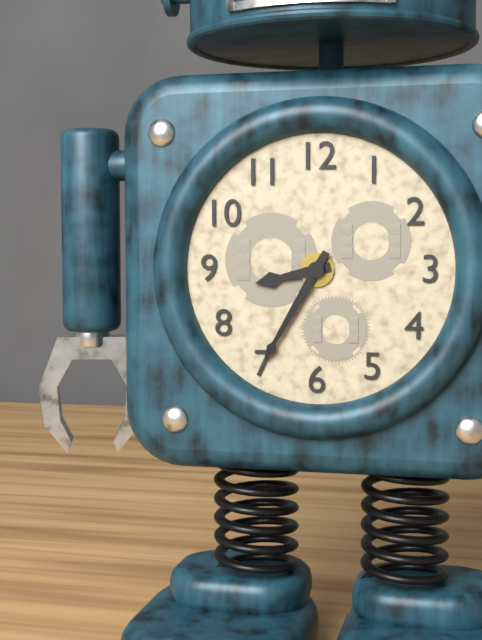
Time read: **8:35**
